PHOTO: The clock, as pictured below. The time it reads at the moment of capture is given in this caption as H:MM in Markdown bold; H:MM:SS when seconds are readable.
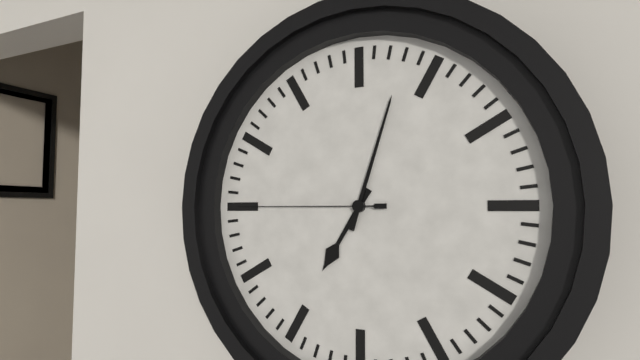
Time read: **7:03:45**
